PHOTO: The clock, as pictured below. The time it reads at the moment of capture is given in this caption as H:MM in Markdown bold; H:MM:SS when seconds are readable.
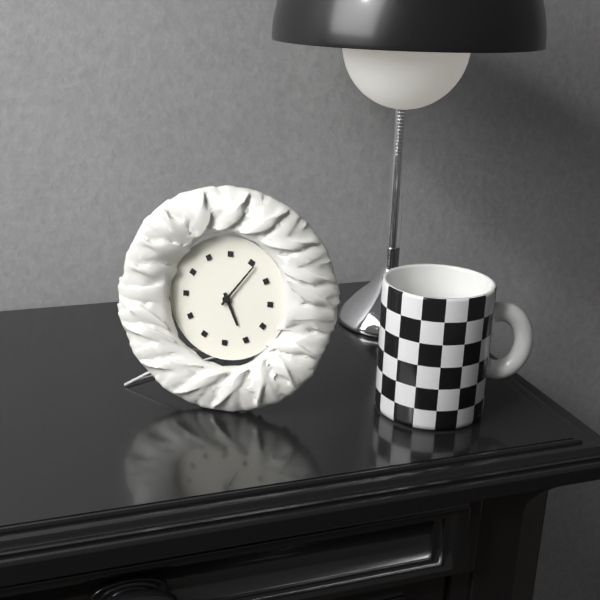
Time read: **5:06**
